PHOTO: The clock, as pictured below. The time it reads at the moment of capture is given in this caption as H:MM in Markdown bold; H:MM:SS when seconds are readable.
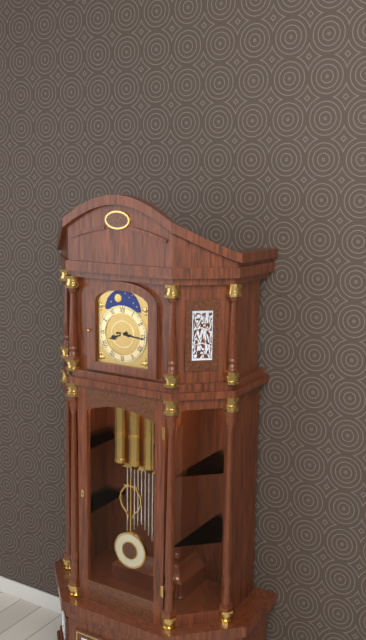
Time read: **8:16**
